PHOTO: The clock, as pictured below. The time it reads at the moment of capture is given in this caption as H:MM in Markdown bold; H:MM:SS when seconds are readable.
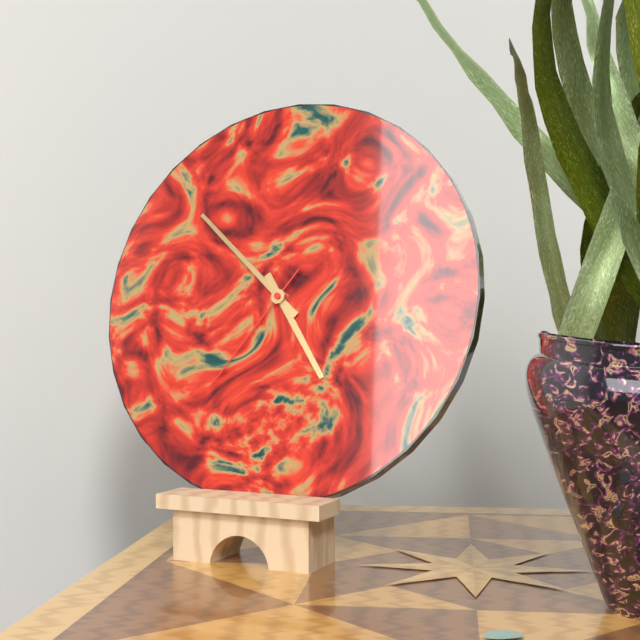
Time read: **4:52:36**
